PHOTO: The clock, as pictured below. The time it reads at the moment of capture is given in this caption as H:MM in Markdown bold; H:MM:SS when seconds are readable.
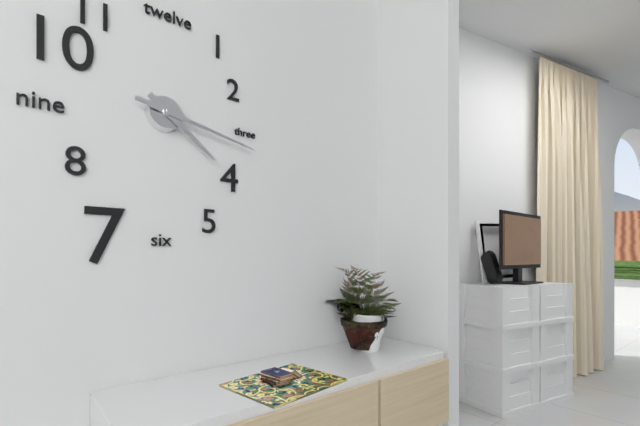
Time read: **4:17**
